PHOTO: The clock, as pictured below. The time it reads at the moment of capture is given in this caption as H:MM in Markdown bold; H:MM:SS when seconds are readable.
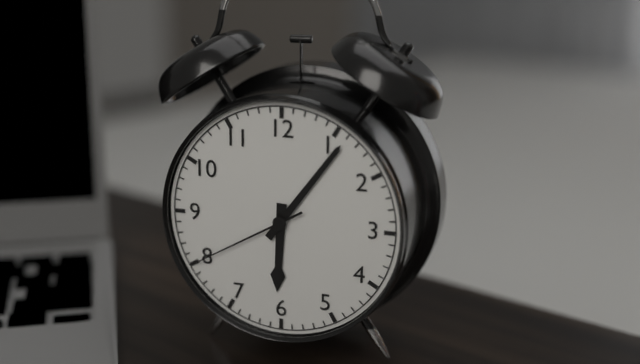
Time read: **6:06:40**
